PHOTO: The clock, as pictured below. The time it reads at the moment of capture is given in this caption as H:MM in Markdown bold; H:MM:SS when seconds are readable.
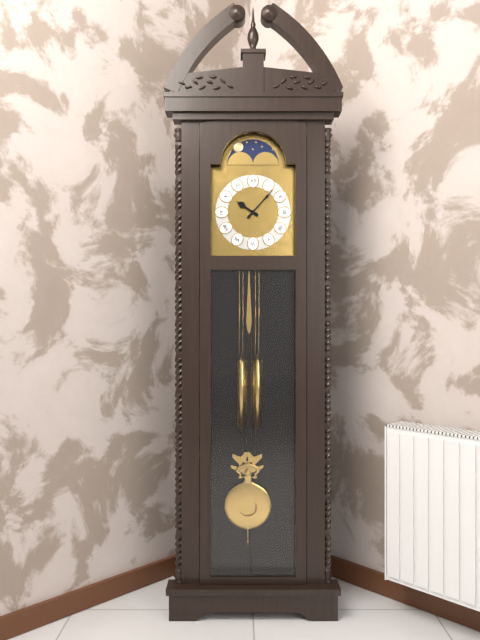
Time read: **10:07**
